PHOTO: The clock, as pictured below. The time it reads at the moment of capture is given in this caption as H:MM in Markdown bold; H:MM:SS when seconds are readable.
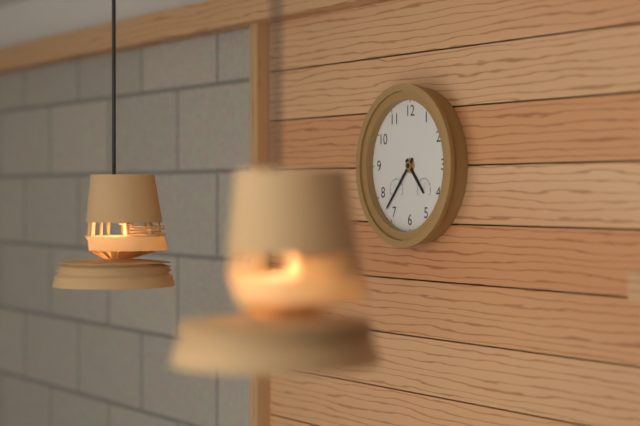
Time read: **4:37**
